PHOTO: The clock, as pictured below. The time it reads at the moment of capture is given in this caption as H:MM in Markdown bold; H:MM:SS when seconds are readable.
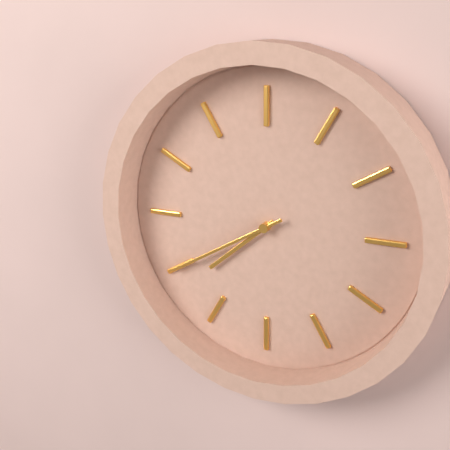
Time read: **7:40**
